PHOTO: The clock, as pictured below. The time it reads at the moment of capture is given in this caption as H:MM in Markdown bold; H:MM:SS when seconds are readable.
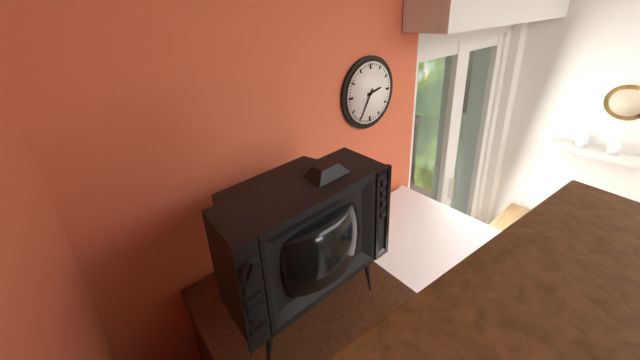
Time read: **2:35**
